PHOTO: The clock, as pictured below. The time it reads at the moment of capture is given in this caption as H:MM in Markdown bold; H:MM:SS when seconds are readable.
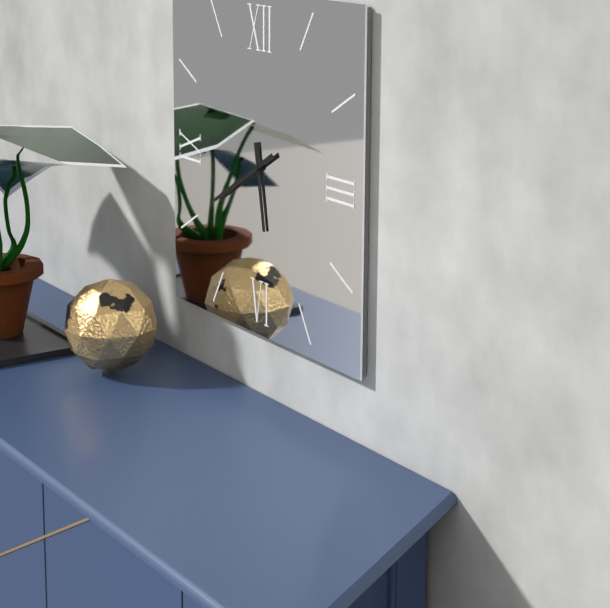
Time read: **5:40**
